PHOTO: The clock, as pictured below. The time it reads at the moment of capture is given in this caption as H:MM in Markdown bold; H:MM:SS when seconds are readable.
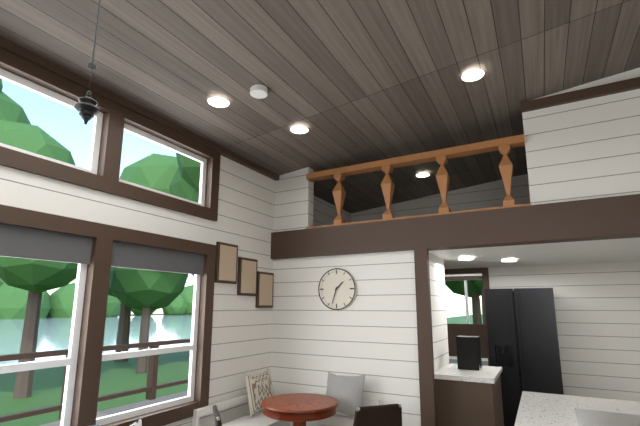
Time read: **1:33**
